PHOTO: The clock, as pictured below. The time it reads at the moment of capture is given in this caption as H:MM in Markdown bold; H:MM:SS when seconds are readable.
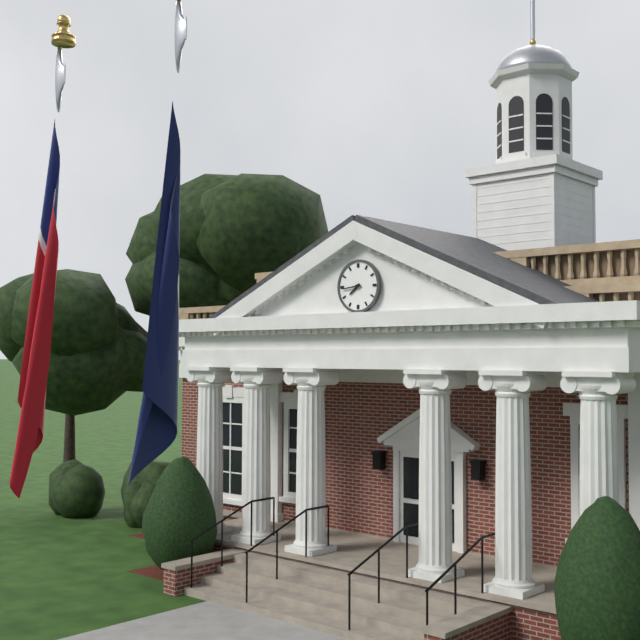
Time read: **7:44**
